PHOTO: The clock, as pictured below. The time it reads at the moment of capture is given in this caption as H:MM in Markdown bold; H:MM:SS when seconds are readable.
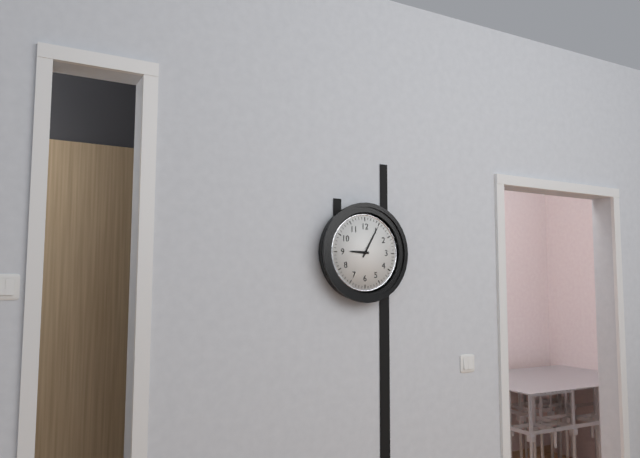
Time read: **9:05**
